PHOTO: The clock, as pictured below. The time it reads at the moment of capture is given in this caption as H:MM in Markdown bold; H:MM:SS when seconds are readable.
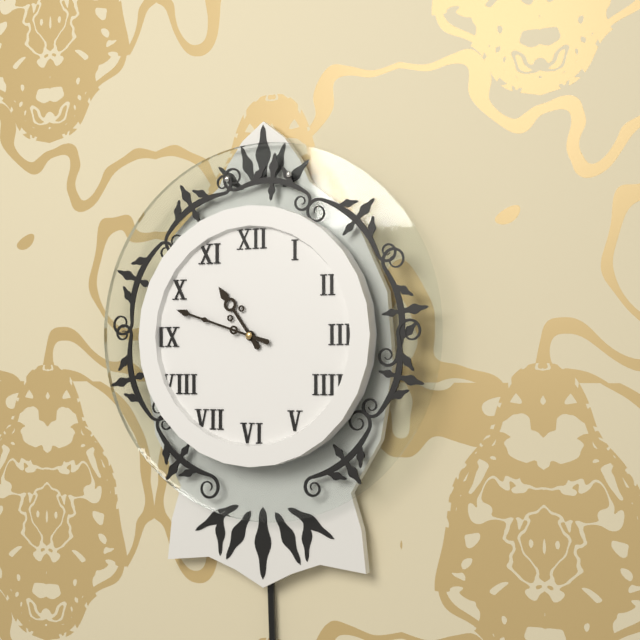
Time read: **10:48**
